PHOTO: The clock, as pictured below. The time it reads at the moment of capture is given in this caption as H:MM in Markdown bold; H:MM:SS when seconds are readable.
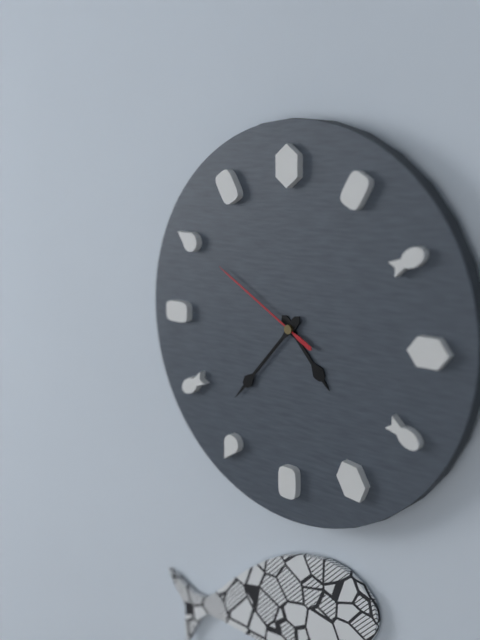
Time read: **4:37:50**
